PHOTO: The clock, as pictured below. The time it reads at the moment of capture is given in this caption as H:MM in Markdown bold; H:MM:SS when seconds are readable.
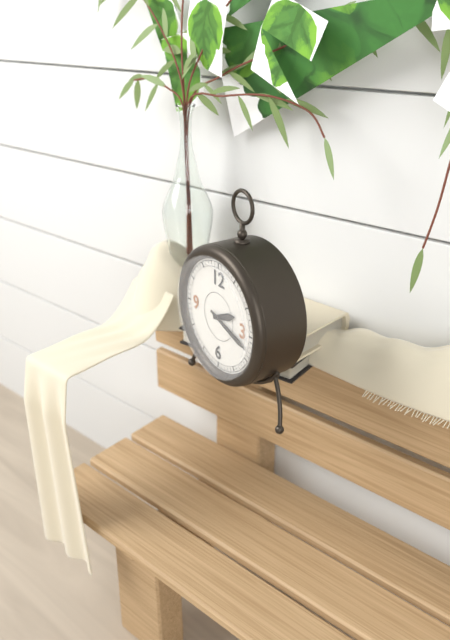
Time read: **2:18**
